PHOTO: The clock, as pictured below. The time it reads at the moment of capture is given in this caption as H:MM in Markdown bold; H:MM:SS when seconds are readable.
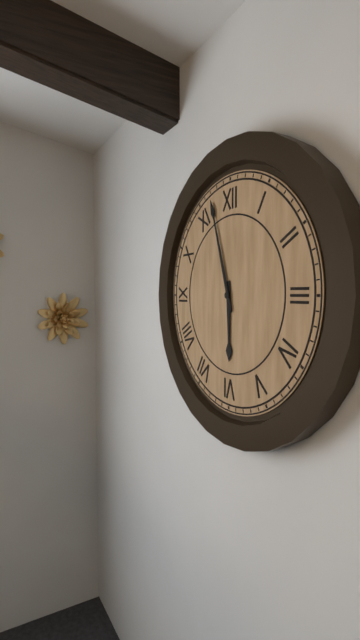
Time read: **5:57**
